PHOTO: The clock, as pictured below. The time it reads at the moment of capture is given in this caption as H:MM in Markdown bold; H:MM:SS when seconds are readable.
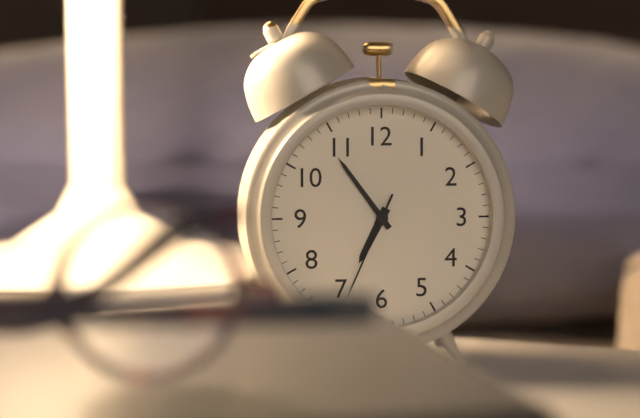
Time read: **6:54:34**
